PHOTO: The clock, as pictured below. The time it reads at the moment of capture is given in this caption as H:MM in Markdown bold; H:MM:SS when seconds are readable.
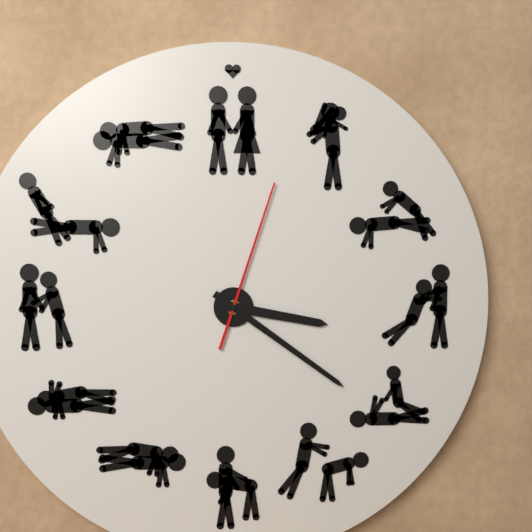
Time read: **3:21:03**
